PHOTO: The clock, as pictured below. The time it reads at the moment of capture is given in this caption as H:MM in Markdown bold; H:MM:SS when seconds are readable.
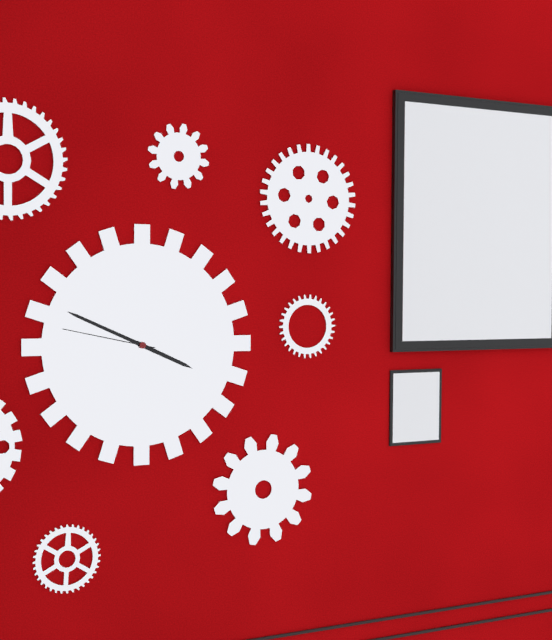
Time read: **3:49:47**
